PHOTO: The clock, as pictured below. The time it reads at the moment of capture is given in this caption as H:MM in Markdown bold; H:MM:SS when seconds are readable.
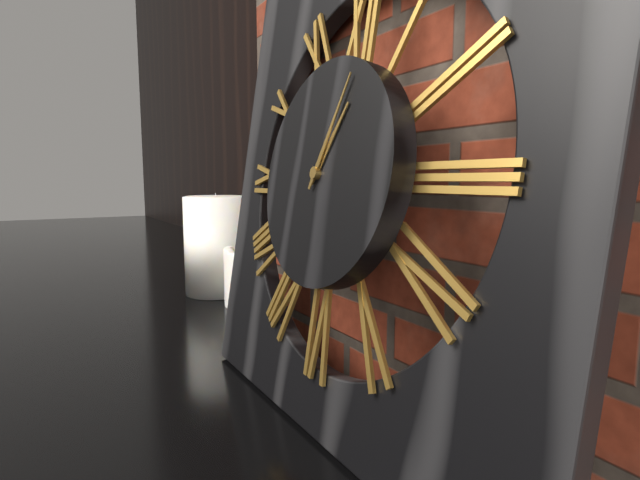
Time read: **1:04**
